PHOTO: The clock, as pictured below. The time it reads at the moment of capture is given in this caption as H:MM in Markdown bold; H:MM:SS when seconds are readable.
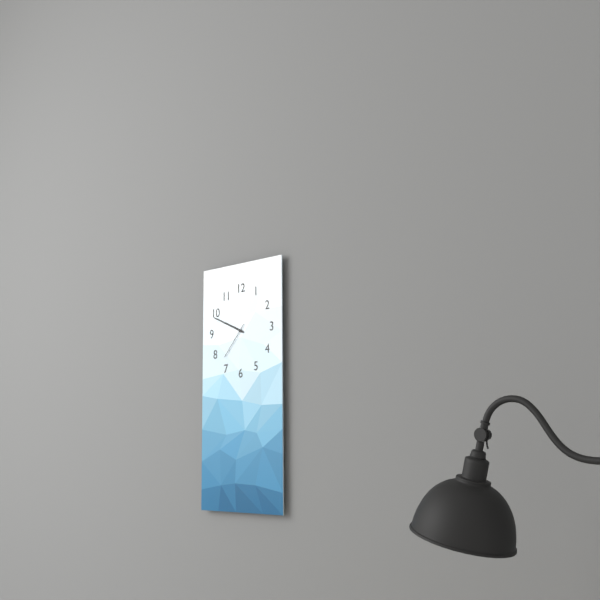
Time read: **9:49**
